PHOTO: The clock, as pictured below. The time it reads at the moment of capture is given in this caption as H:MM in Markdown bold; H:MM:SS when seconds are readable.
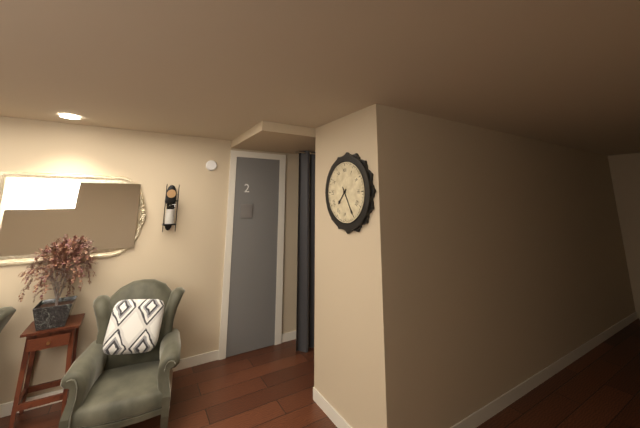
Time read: **7:25**
